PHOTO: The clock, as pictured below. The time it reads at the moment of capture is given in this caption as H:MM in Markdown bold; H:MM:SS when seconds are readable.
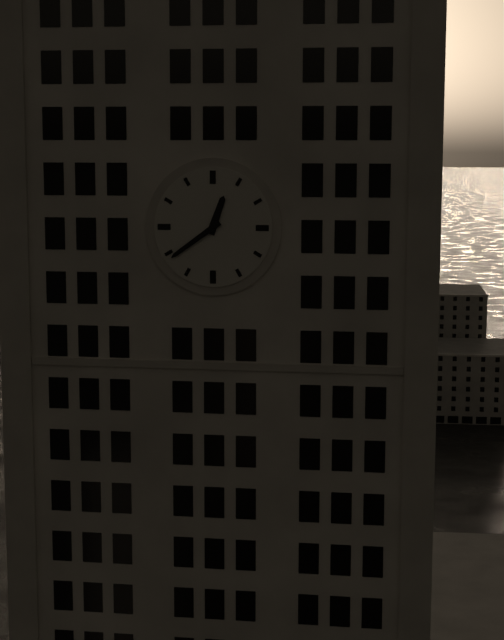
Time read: **12:39**
